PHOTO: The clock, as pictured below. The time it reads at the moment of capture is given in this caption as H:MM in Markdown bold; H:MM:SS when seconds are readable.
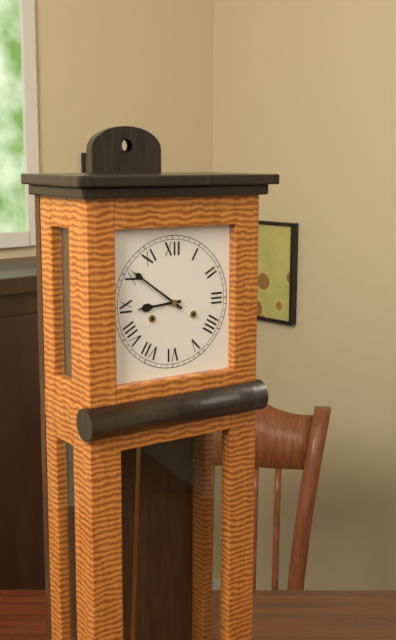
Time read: **8:51**
